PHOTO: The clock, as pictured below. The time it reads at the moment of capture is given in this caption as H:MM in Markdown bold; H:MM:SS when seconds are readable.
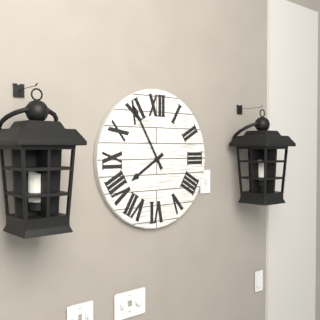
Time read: **7:55**
